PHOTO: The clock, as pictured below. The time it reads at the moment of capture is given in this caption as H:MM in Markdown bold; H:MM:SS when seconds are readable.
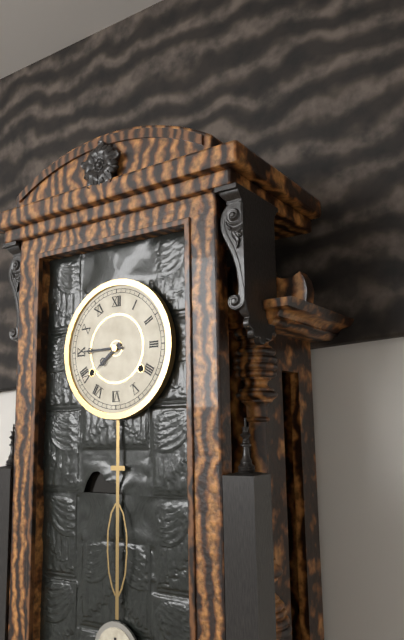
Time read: **7:45**
